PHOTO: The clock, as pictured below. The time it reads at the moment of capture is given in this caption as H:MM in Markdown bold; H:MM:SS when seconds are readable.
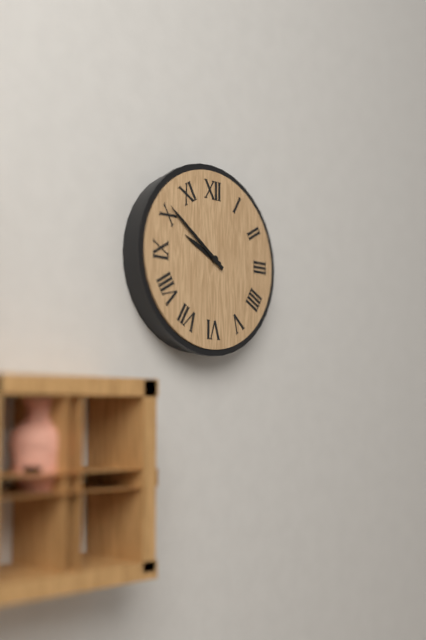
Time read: **9:51**
